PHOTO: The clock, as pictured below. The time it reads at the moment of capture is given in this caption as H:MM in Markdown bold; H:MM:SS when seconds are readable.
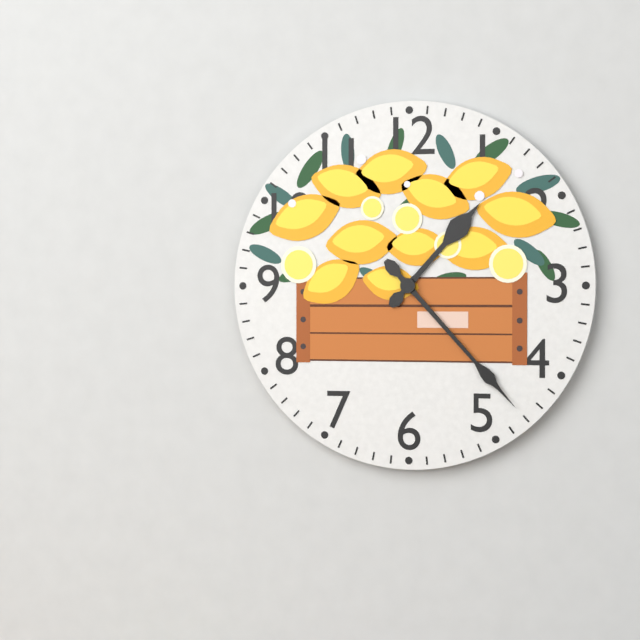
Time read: **1:23**
